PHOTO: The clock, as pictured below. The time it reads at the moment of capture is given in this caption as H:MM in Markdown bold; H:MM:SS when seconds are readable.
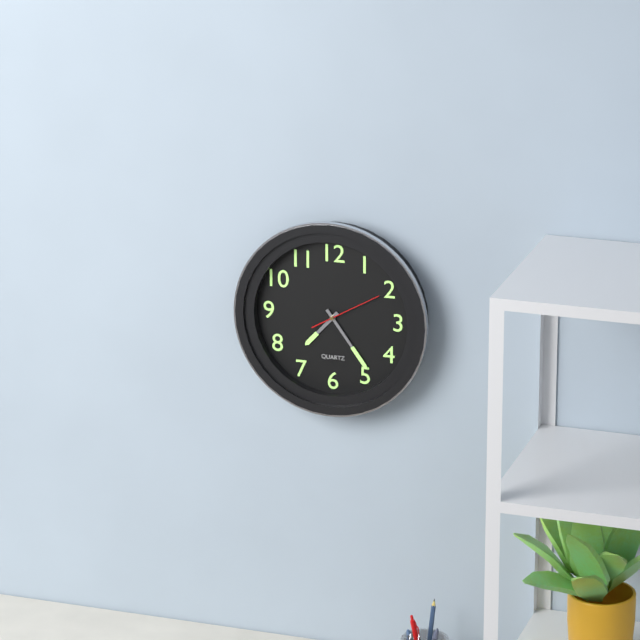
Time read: **7:24:10**
